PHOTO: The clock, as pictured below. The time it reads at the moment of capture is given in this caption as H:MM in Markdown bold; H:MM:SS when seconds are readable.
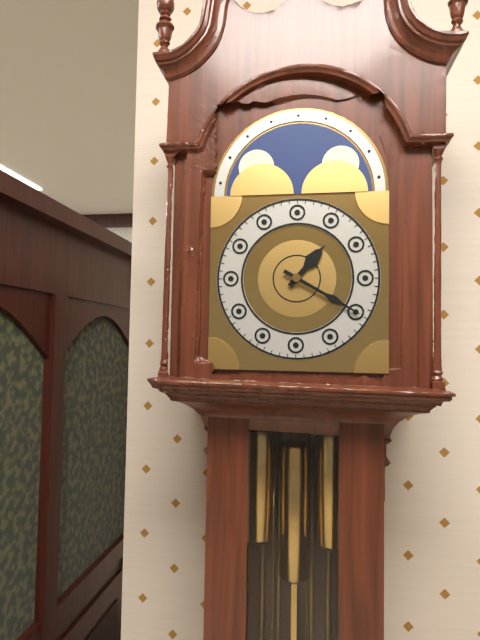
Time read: **1:20**
